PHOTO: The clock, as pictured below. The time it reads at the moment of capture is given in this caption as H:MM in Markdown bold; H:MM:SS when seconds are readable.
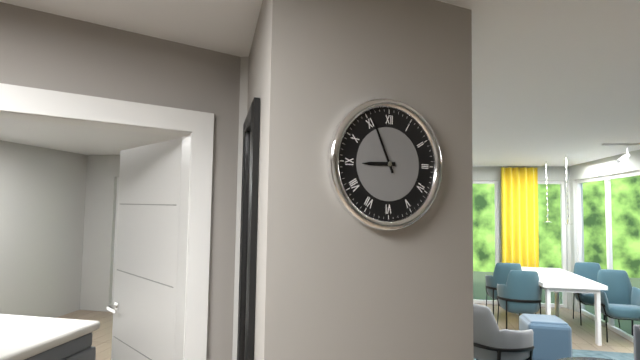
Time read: **8:56**
